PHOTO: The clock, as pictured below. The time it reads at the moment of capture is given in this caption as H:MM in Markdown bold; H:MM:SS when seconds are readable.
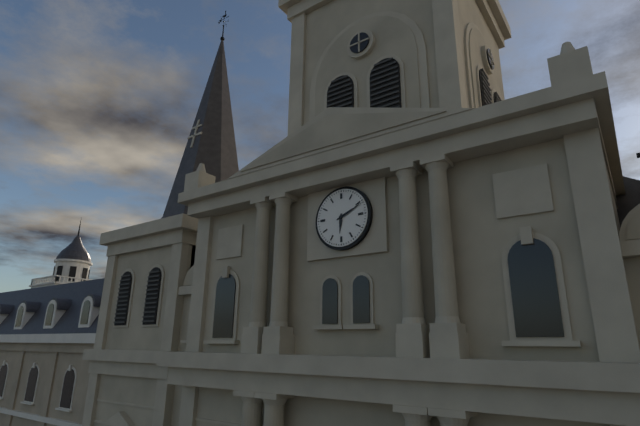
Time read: **6:11**
